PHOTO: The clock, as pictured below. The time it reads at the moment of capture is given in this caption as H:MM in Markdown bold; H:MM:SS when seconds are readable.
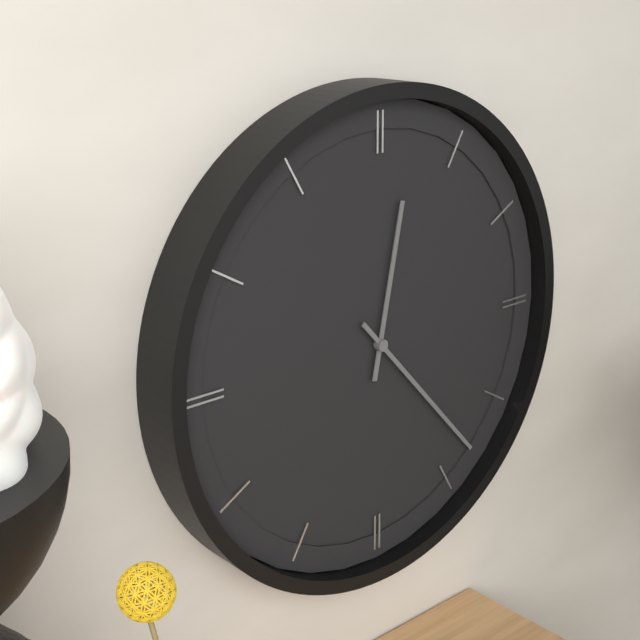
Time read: **12:23**
